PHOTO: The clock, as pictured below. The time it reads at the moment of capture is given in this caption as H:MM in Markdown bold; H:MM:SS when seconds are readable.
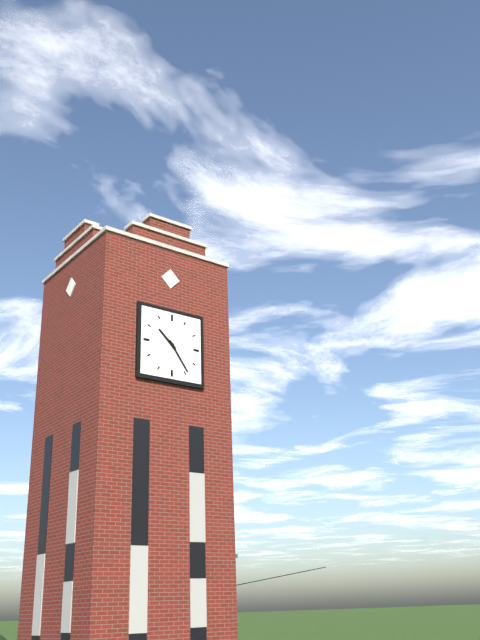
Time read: **10:24**
